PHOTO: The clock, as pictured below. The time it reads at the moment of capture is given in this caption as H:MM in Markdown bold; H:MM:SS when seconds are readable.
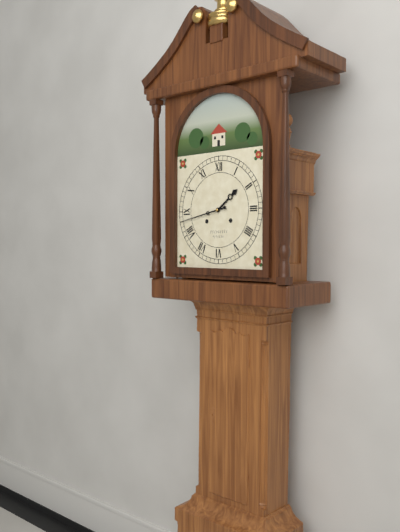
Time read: **1:43**
